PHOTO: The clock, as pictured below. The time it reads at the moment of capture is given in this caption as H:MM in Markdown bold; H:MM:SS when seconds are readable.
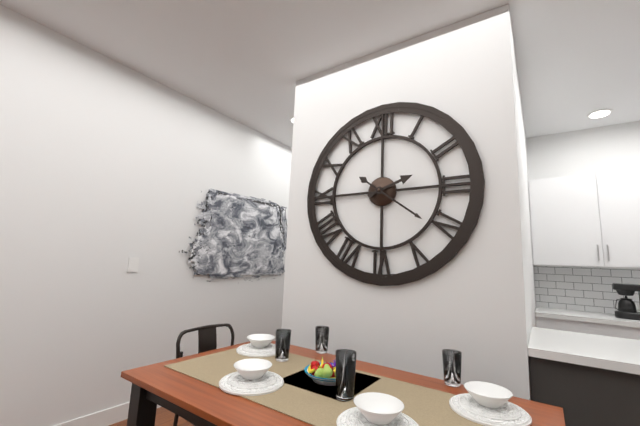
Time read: **2:21**
